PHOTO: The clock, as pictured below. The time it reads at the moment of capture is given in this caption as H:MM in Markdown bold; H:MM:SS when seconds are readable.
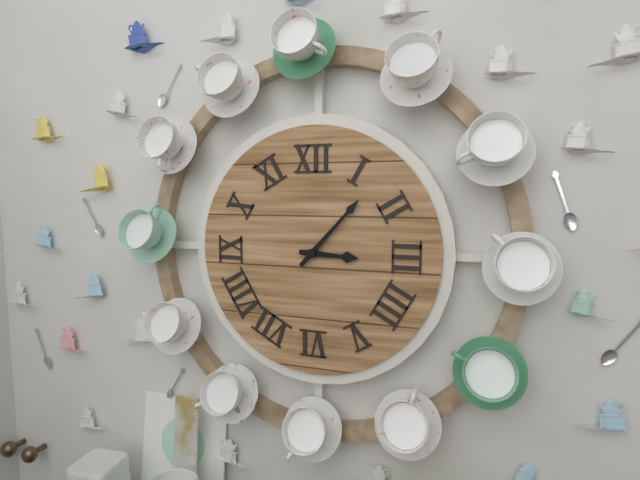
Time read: **3:07**
